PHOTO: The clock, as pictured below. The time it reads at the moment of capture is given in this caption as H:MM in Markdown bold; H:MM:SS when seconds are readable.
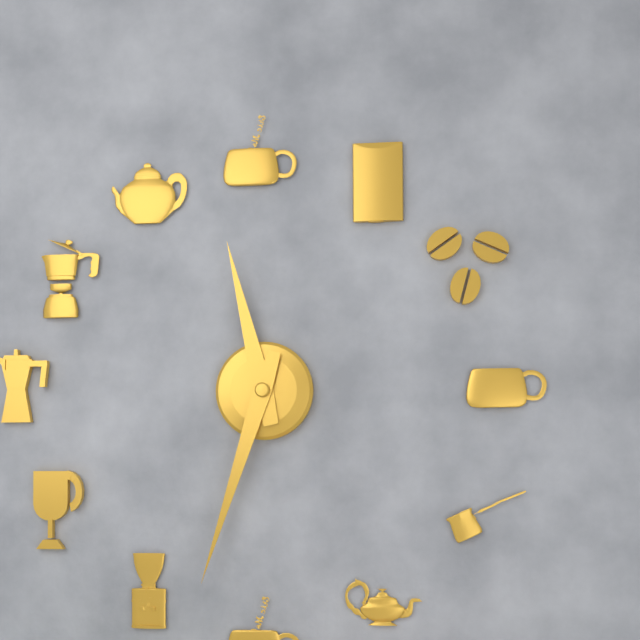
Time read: **11:33**
